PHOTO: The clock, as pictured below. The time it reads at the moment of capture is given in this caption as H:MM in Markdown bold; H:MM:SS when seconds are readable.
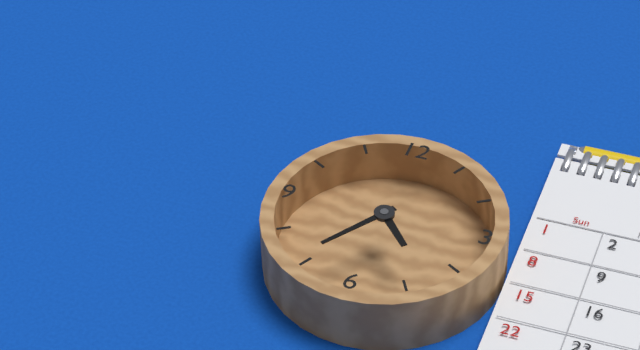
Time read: **4:36**
